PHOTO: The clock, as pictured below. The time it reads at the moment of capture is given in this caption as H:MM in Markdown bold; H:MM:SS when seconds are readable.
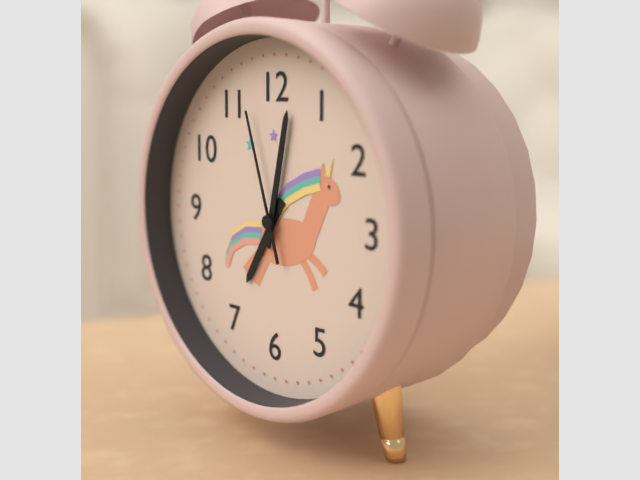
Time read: **7:02:57**
